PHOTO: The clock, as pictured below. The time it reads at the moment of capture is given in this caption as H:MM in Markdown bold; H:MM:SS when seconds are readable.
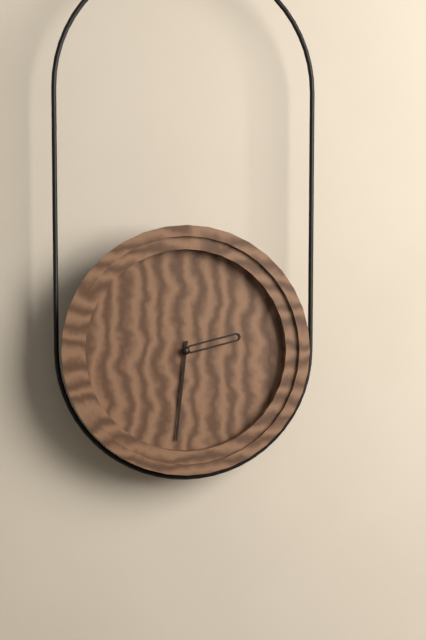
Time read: **2:31**
